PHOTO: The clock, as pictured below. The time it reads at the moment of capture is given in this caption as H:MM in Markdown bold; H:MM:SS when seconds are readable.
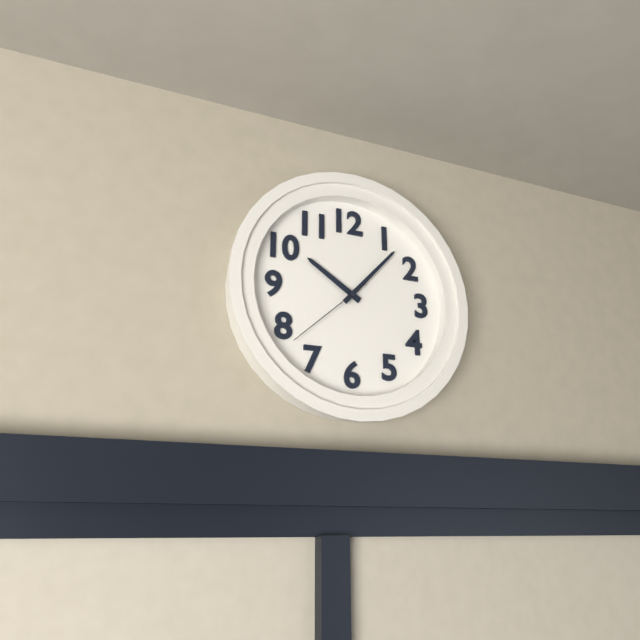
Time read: **10:07:38**
